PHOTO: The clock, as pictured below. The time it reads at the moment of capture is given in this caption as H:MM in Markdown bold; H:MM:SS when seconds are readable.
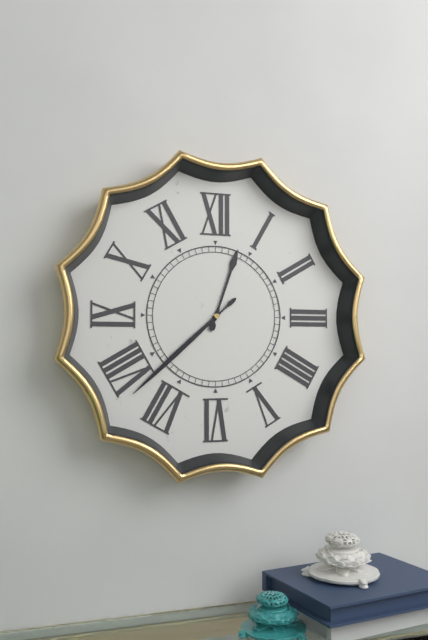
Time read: **12:38**
